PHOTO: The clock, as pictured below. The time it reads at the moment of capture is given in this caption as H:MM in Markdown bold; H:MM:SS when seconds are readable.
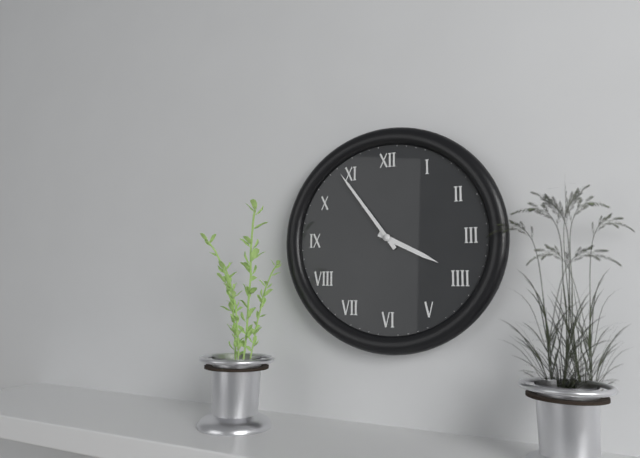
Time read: **3:54**
